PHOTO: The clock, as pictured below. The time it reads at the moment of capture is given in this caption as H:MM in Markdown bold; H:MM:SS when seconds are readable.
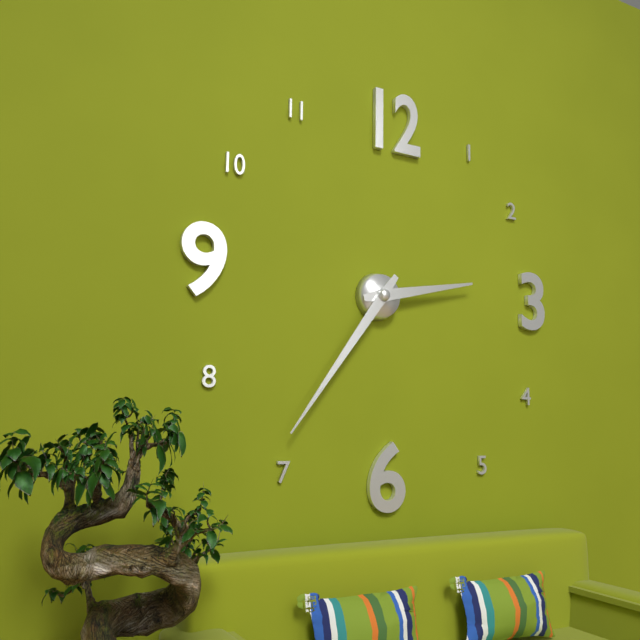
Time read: **2:36**
